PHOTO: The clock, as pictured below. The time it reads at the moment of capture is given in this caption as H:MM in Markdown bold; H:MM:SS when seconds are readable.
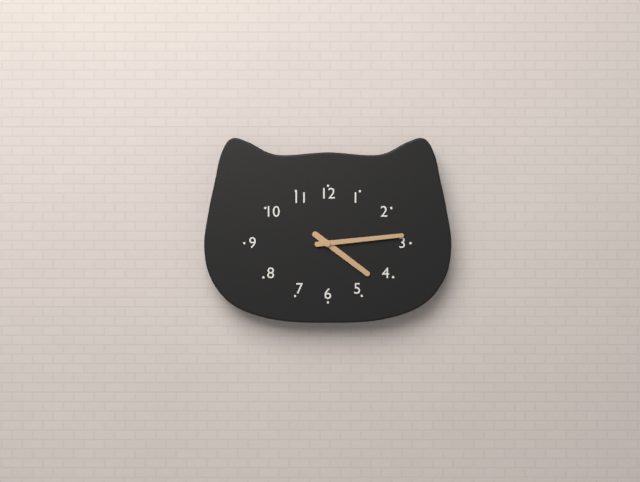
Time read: **4:14**
